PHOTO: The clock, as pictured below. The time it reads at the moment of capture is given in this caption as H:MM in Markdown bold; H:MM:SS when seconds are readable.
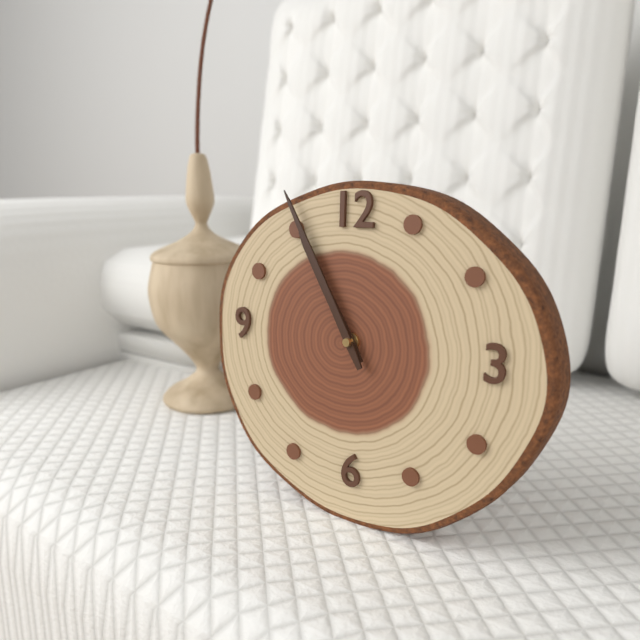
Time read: **10:55**
